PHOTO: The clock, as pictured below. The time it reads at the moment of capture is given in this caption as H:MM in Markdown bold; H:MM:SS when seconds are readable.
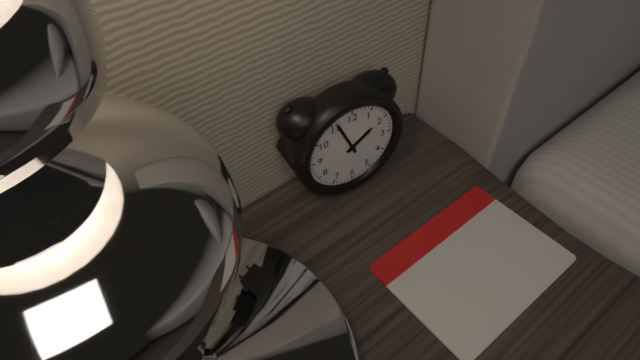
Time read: **1:56**
